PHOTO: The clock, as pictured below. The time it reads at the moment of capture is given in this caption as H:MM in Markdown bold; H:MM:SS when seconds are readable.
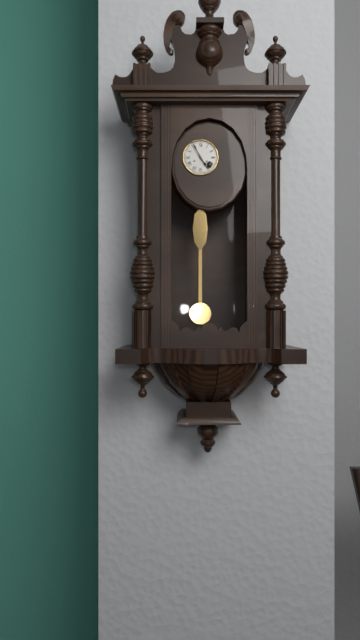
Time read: **4:55**
